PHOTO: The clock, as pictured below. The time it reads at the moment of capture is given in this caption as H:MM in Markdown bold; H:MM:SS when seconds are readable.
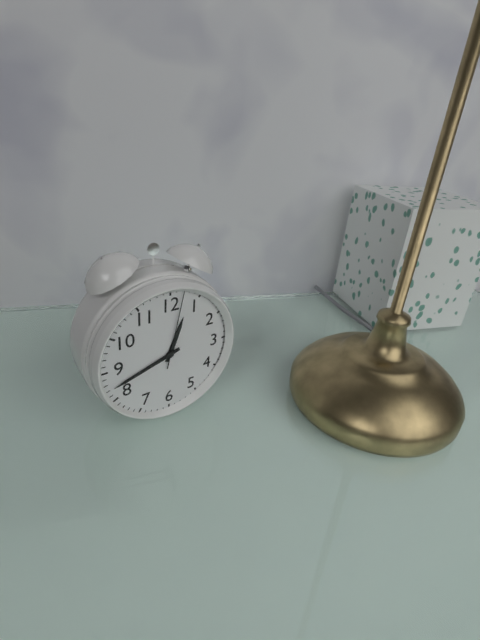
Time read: **12:42:02**
